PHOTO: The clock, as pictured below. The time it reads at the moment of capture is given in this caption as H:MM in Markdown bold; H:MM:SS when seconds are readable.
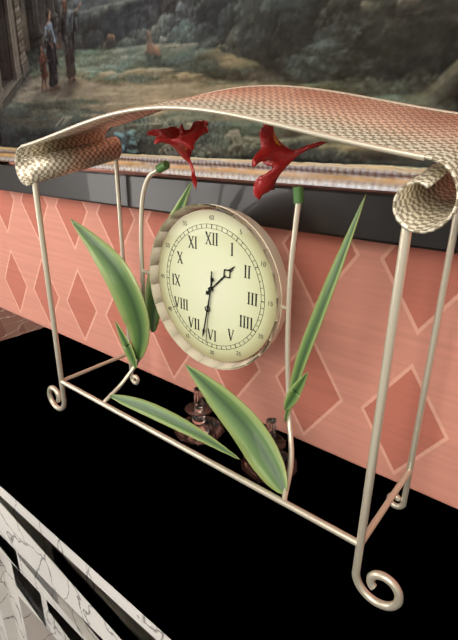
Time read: **1:32:31**
